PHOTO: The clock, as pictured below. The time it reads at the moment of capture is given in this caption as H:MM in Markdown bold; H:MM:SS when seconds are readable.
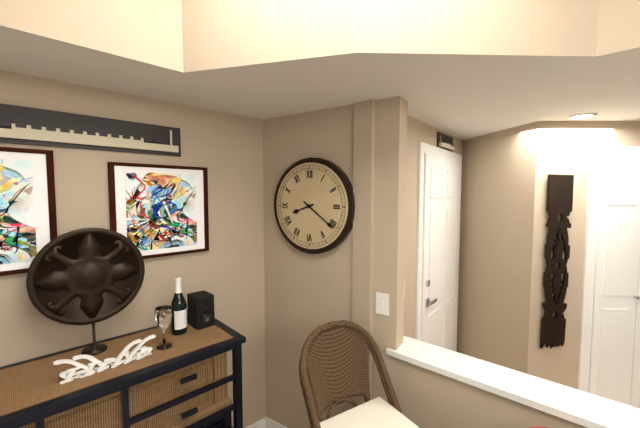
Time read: **8:21**
